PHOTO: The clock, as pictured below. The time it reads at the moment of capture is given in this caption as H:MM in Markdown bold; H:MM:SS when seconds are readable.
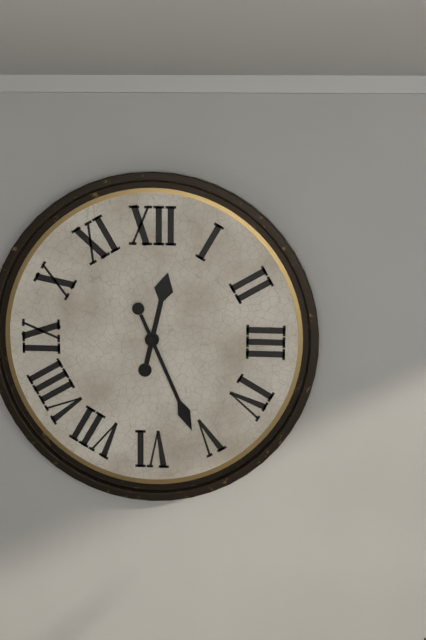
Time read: **12:26**
